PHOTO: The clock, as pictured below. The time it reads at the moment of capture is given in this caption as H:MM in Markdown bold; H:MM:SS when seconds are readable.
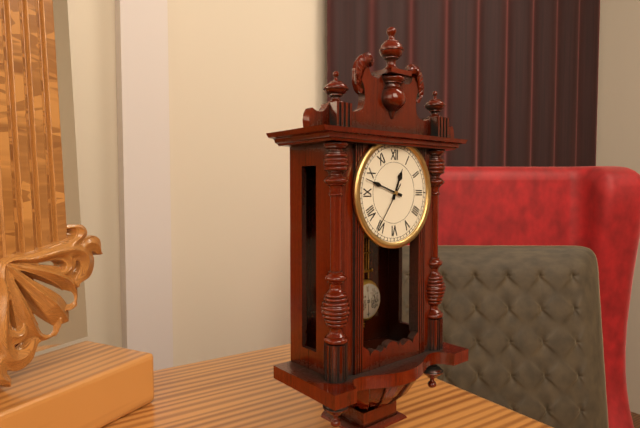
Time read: **12:48:36**
